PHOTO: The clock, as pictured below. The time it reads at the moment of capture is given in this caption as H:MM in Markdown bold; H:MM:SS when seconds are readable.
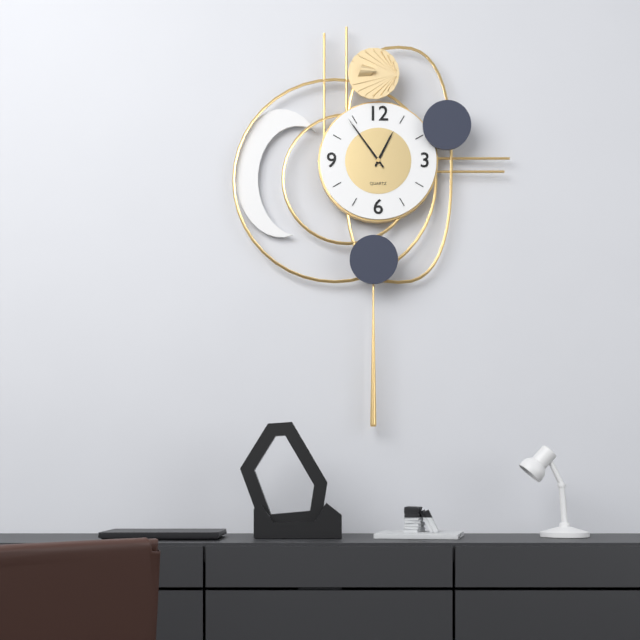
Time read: **12:54**
